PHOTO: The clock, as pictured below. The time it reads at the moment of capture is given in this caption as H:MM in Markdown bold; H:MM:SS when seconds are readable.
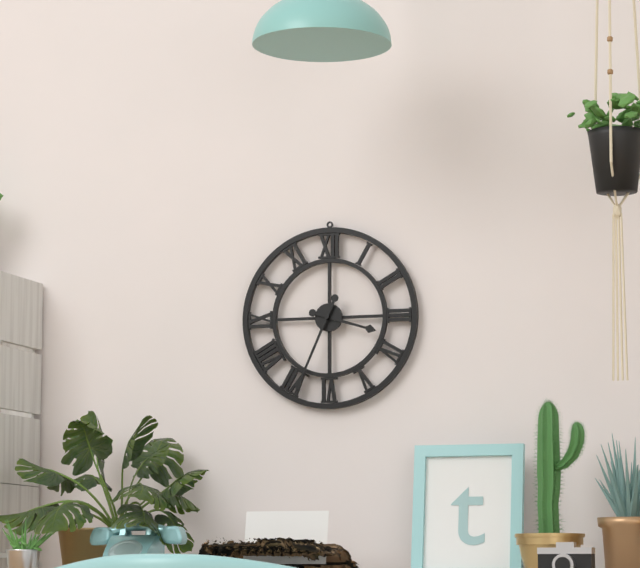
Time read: **3:34**
